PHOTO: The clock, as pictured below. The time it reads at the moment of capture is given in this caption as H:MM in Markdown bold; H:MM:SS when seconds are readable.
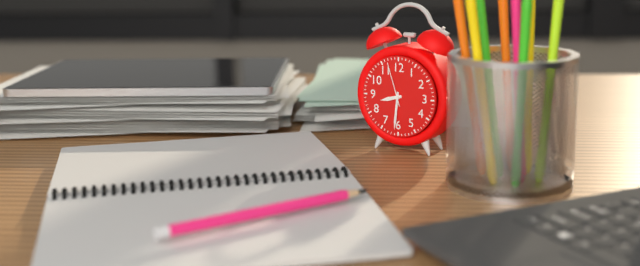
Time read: **8:31**
